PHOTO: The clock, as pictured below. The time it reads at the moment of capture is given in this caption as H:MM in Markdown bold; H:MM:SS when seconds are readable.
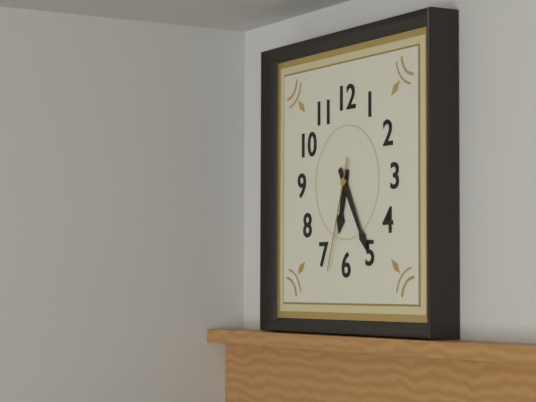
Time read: **6:25:33**
